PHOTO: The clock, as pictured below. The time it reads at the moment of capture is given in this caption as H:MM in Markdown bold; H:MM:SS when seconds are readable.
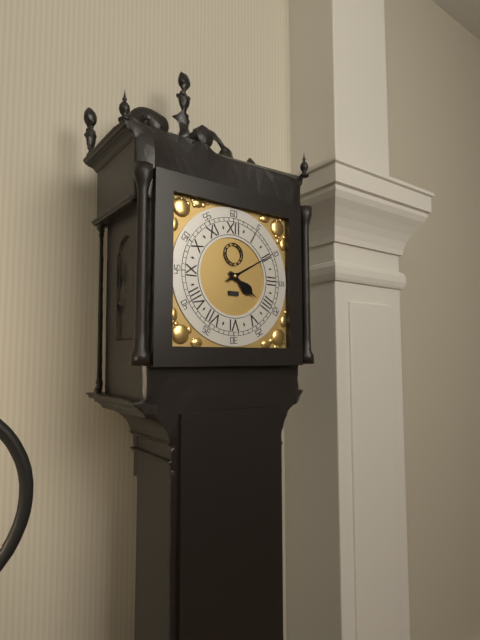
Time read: **4:10**
